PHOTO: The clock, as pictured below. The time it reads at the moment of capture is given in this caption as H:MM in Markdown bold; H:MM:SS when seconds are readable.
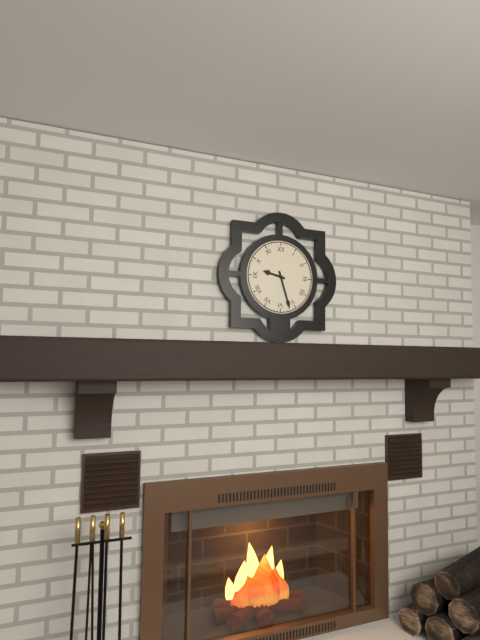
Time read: **9:27**
